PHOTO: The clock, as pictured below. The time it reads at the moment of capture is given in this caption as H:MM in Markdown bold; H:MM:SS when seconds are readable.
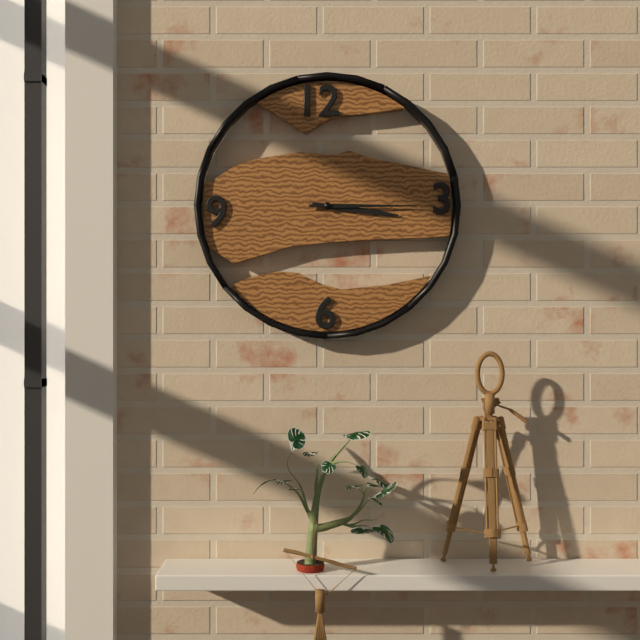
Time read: **3:15**
